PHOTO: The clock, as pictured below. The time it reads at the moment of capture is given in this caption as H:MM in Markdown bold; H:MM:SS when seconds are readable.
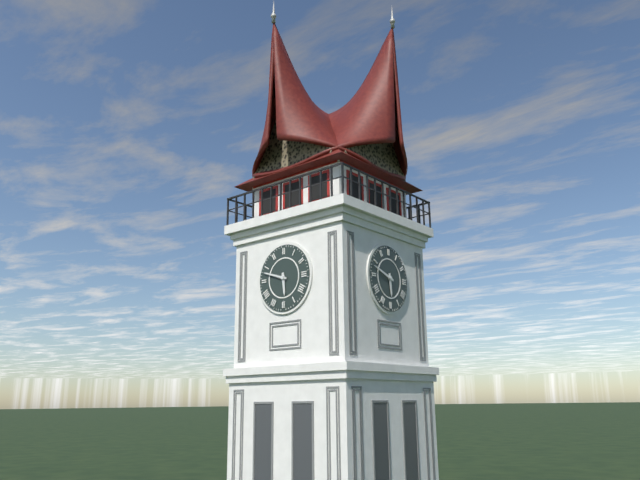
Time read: **5:48**
